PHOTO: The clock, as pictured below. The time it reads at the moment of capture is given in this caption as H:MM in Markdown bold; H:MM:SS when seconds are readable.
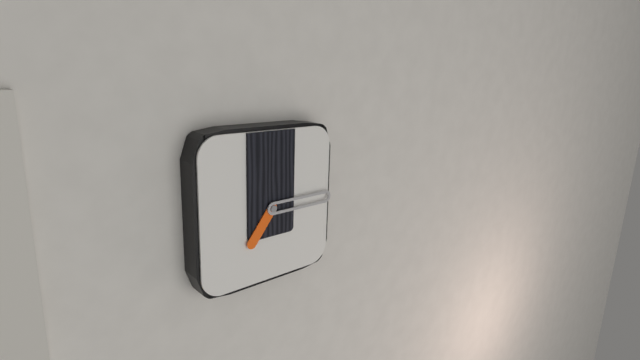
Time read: **7:15**
